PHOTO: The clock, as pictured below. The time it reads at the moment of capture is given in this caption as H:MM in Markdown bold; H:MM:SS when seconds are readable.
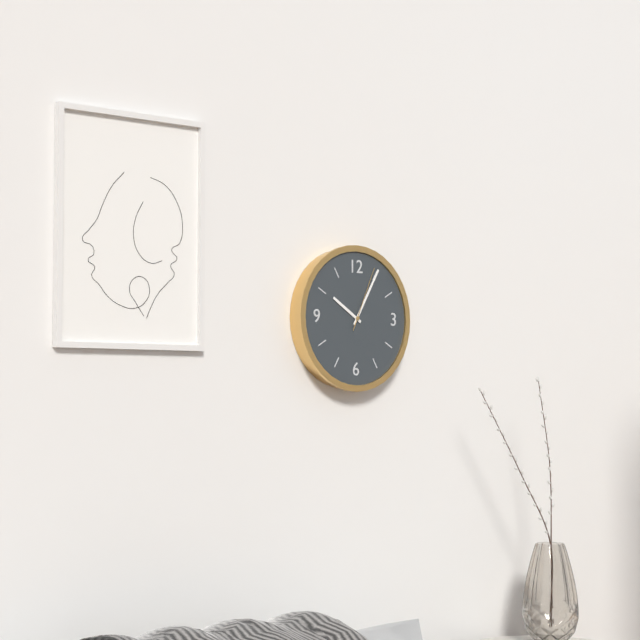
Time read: **10:05:04**
